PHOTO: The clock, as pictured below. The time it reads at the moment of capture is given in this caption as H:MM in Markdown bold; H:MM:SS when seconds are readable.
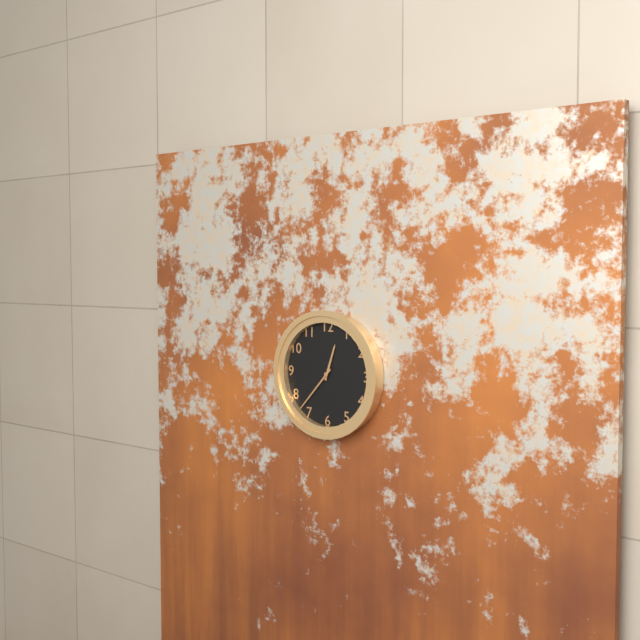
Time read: **12:37**
